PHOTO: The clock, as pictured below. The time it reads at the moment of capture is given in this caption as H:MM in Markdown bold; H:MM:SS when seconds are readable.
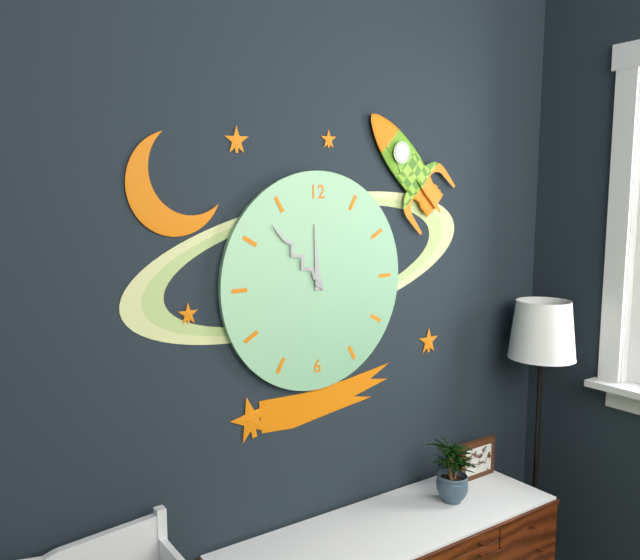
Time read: **11:53**
